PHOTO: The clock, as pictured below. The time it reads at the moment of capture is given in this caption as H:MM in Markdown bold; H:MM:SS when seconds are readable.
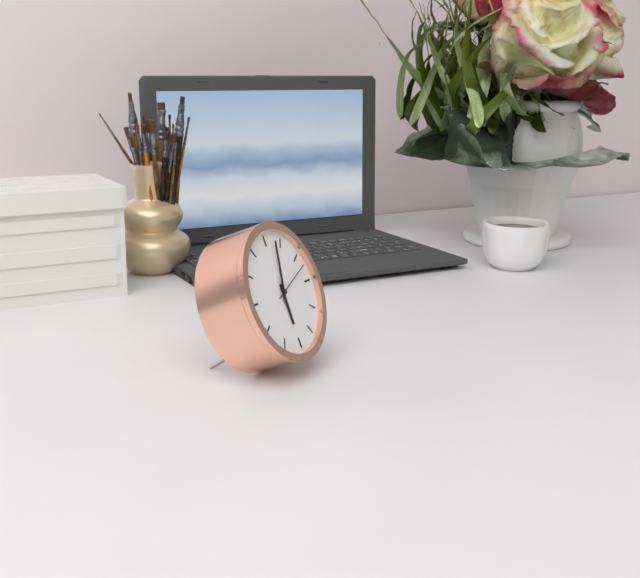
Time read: **6:03**
